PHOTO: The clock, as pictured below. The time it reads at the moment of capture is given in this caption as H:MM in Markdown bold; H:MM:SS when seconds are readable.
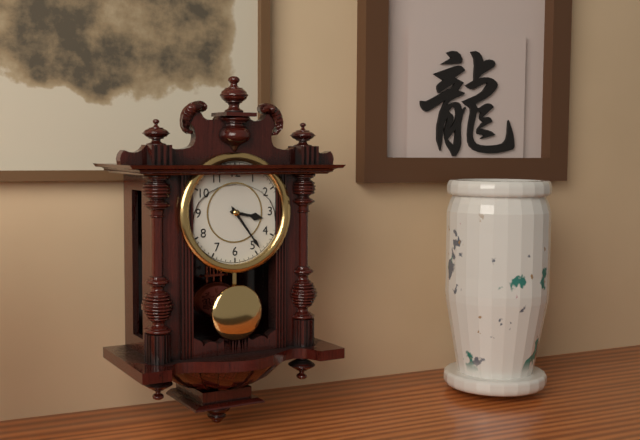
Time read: **3:24**
